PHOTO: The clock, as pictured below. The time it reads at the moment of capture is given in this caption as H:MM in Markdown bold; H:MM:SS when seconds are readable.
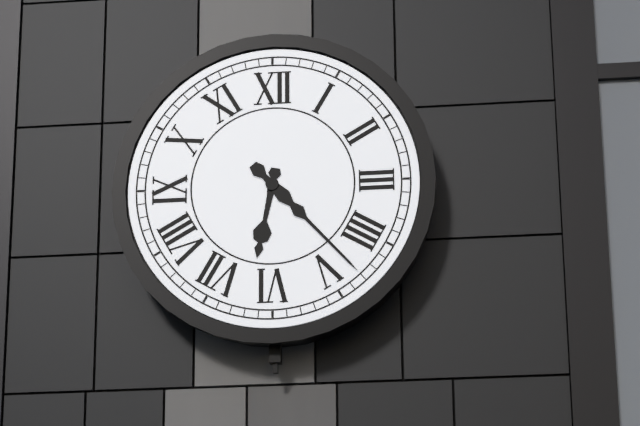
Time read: **6:23**
